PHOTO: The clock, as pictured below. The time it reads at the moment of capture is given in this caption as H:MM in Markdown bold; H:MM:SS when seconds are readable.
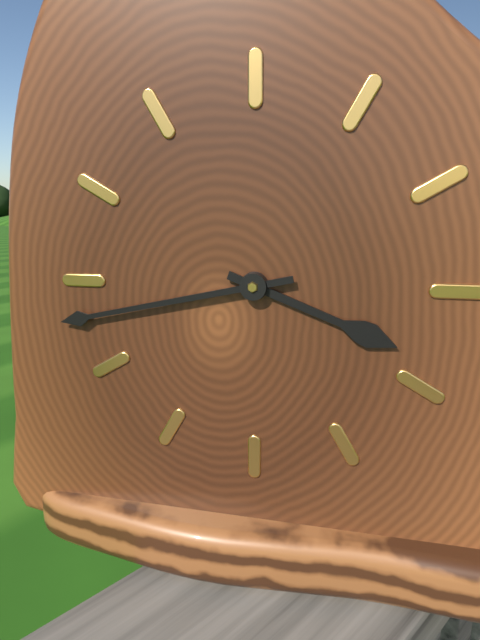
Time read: **3:43**
